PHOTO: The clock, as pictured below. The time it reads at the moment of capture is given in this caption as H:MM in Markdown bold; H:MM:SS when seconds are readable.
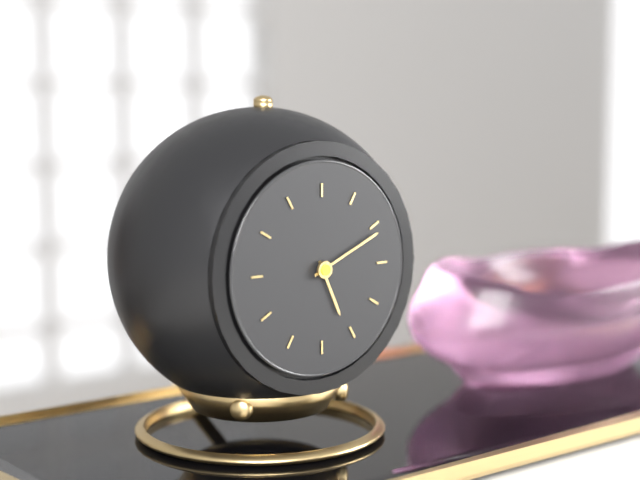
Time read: **5:11**
